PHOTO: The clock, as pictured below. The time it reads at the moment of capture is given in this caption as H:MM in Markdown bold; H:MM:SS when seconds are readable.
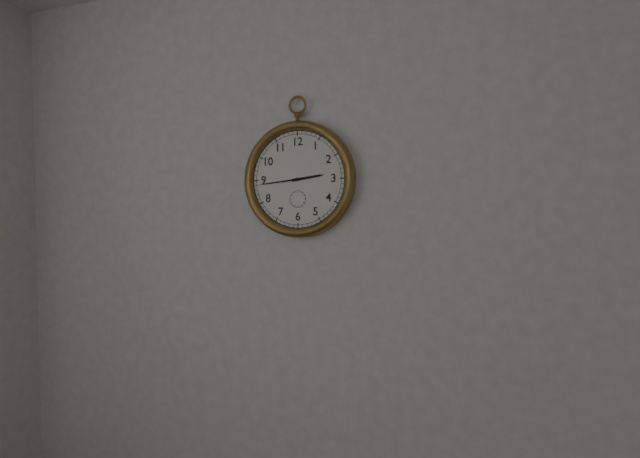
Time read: **2:44**
